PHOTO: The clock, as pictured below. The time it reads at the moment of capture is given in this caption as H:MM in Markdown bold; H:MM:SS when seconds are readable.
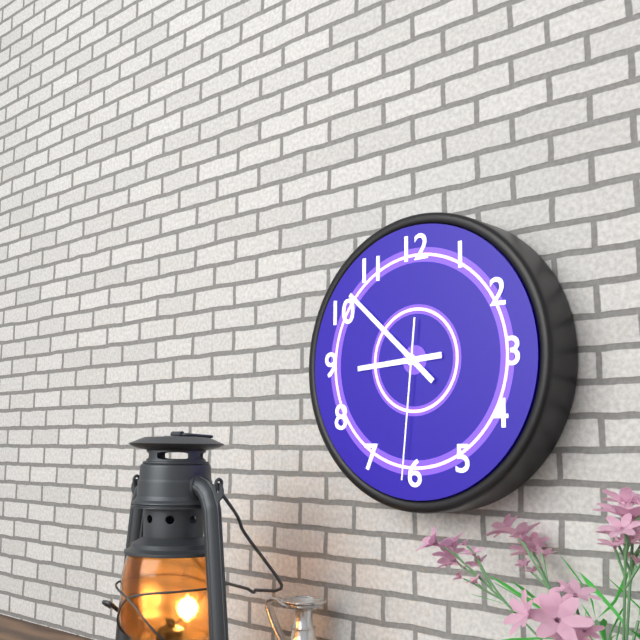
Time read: **8:52:31**
